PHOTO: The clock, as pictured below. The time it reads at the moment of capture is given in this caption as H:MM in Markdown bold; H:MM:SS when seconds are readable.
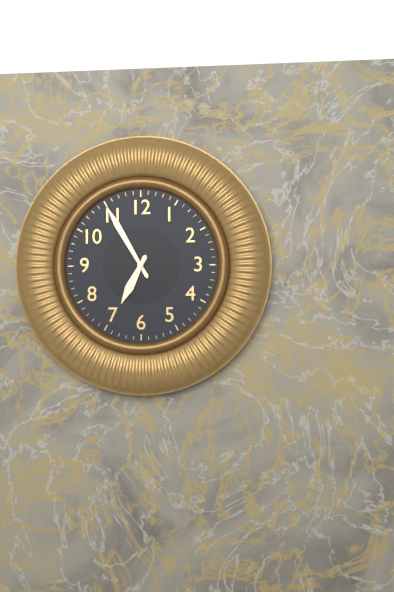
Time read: **6:55**
